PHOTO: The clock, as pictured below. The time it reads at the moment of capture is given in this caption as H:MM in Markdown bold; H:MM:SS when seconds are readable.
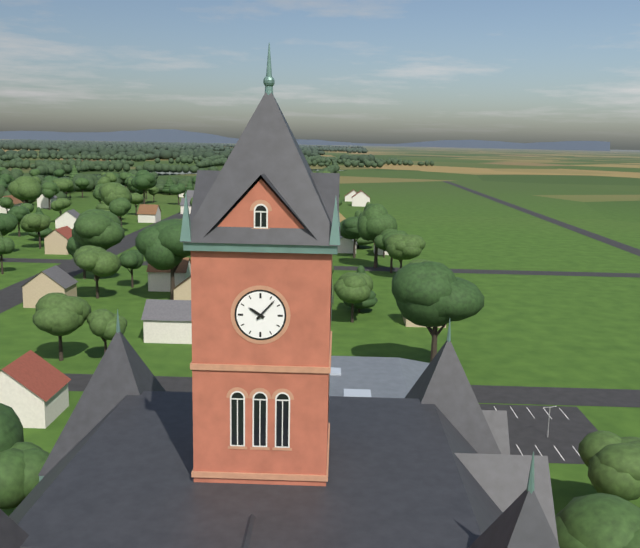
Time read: **10:07**
